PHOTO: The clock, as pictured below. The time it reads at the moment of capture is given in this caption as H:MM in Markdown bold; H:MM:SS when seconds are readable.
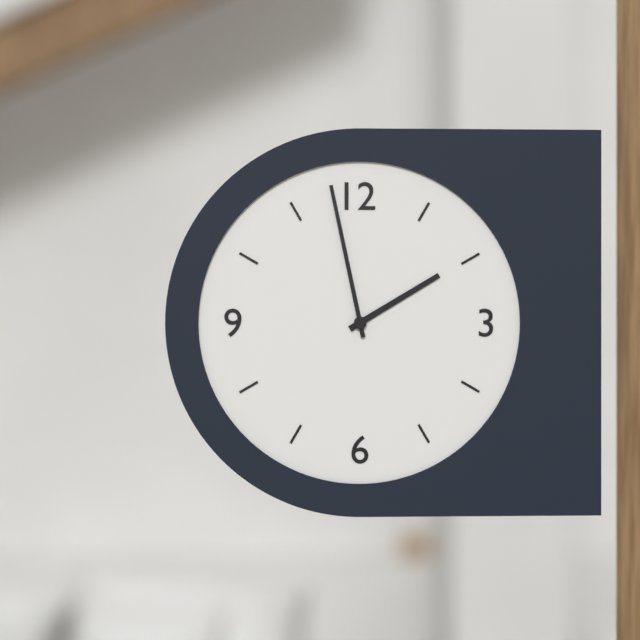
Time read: **1:58**
